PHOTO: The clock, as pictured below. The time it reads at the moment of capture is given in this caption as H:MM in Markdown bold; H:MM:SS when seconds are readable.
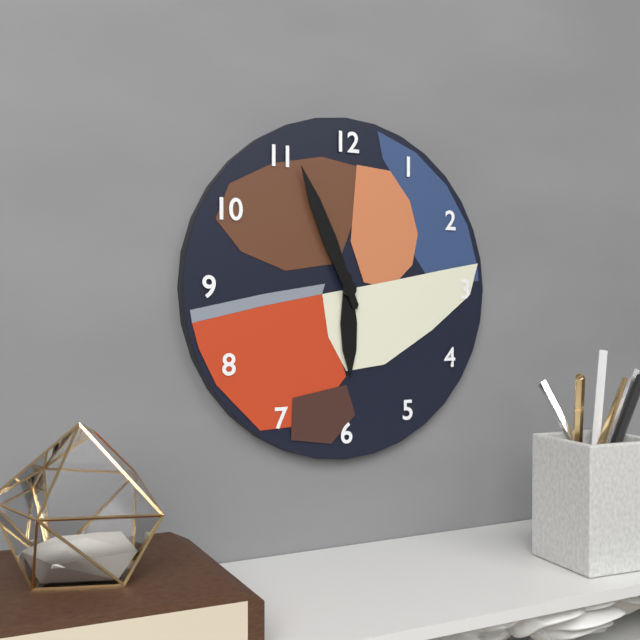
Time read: **5:56**
